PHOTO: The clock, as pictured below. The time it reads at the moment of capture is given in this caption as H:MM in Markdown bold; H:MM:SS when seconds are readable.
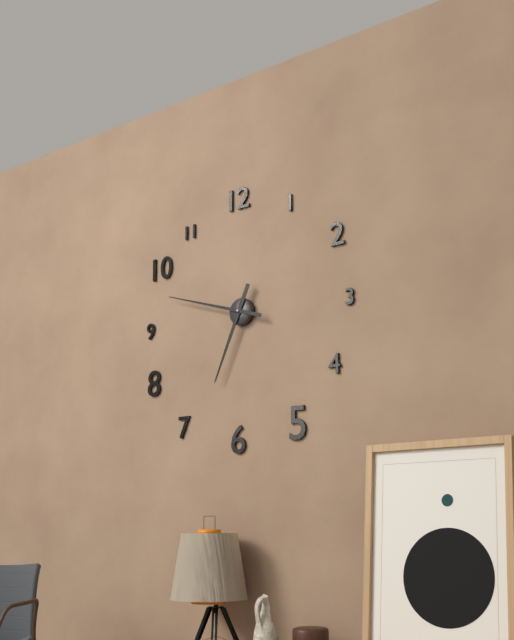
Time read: **6:48**
